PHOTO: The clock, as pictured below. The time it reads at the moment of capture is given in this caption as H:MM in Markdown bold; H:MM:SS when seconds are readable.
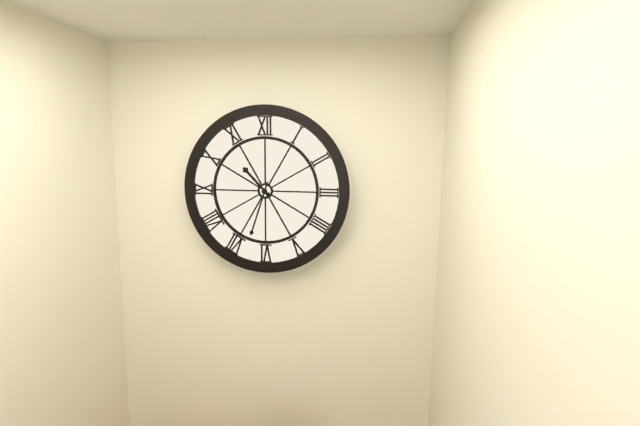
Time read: **10:33**
